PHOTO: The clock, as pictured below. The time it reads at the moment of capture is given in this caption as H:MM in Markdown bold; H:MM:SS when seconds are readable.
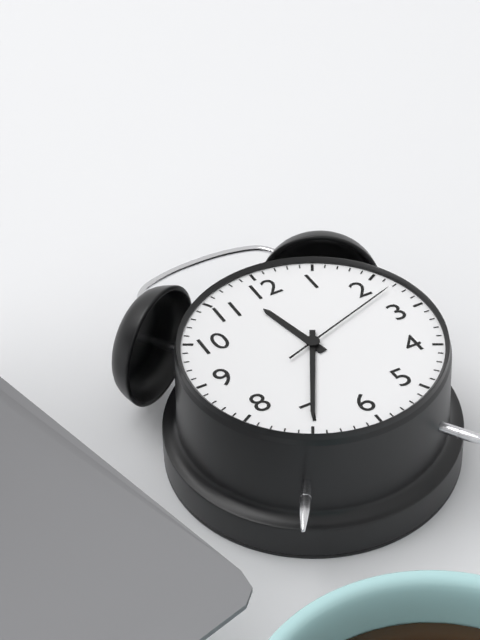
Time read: **11:35:12**
